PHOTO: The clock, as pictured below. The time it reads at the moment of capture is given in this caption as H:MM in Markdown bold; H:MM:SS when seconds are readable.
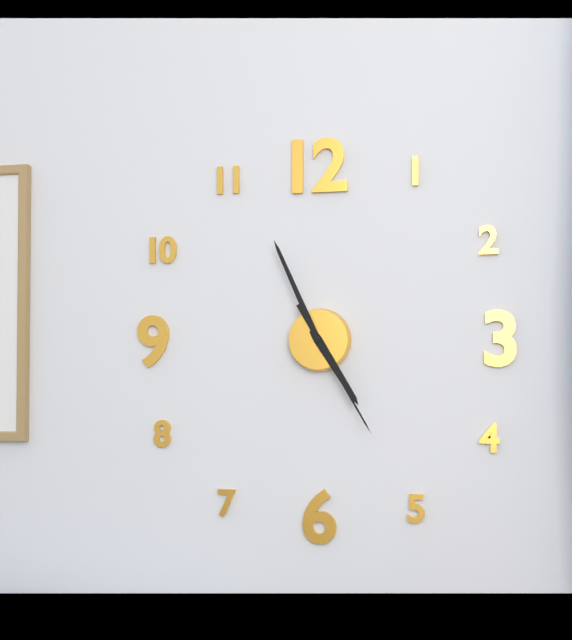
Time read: **4:56:25**
